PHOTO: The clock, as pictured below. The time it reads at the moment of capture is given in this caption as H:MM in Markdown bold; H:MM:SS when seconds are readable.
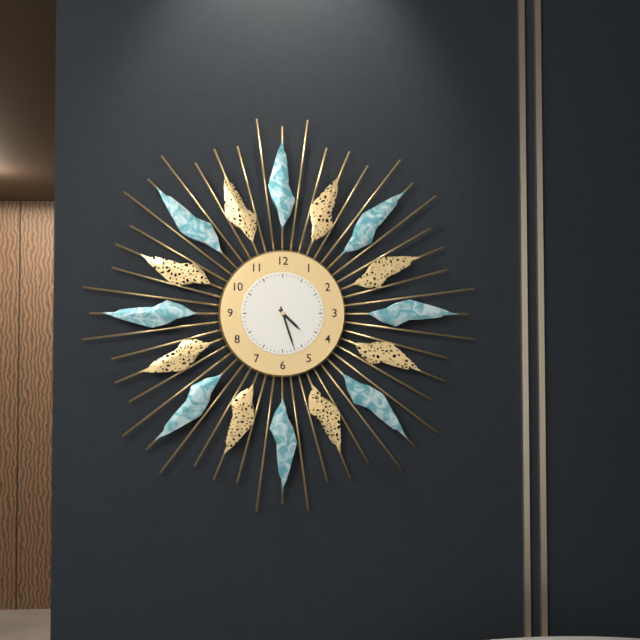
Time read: **4:27**
